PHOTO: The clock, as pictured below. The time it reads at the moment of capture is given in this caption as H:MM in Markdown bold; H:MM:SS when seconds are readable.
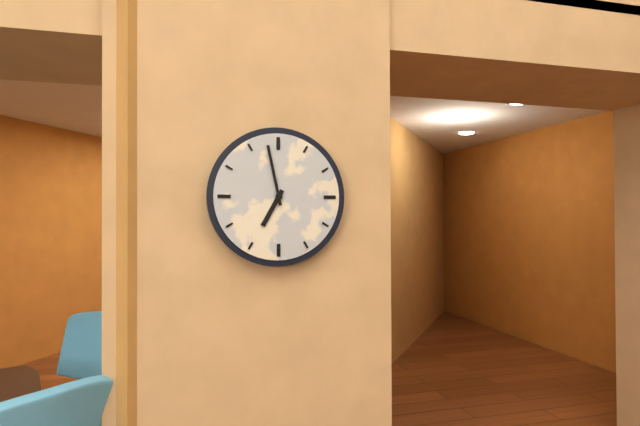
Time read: **6:58**
